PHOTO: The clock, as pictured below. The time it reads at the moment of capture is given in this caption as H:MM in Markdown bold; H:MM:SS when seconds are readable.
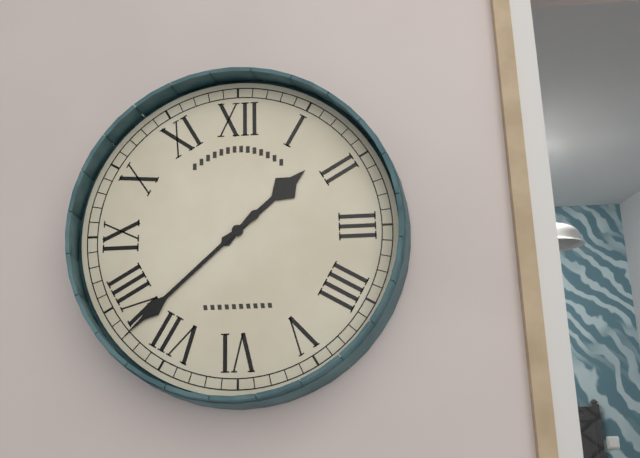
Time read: **1:38**
